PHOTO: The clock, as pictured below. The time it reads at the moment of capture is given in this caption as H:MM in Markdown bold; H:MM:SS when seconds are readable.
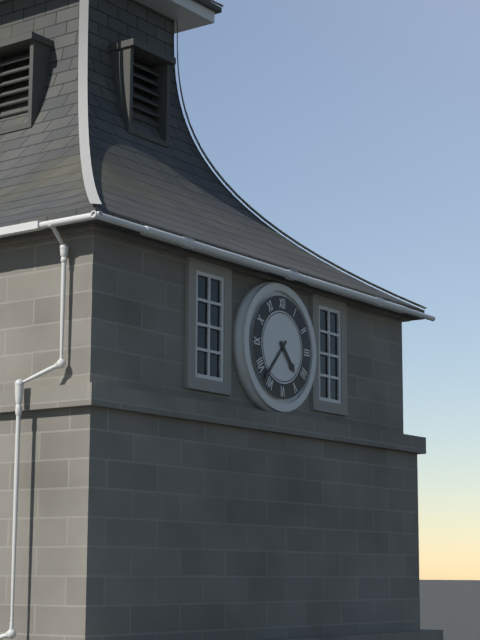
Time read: **4:37**
